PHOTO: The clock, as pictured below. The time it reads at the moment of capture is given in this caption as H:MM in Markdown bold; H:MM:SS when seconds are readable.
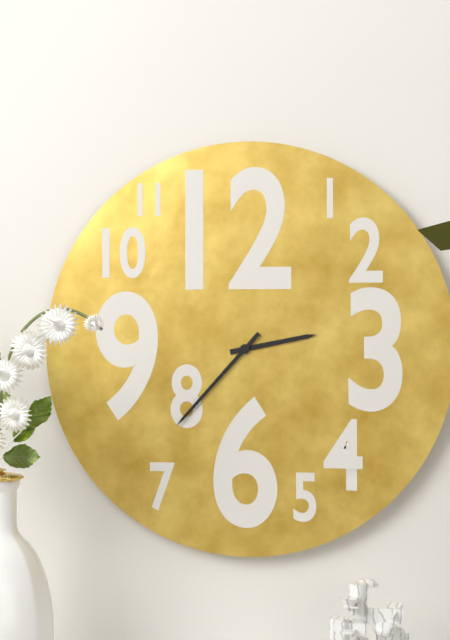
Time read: **2:37**
